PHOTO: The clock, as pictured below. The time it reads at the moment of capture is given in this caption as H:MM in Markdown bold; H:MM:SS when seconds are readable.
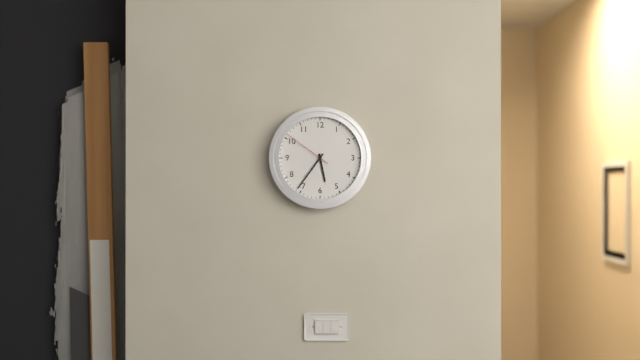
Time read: **5:36**
